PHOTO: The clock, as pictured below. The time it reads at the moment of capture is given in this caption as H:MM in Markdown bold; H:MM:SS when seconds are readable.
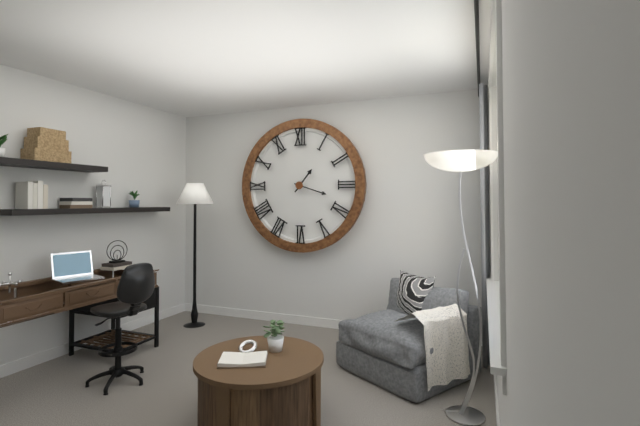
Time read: **1:18**
